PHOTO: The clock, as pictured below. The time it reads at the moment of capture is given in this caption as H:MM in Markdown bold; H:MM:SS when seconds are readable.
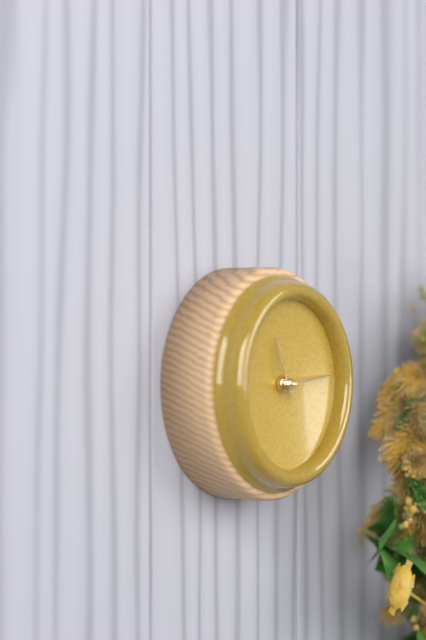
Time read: **11:14**
